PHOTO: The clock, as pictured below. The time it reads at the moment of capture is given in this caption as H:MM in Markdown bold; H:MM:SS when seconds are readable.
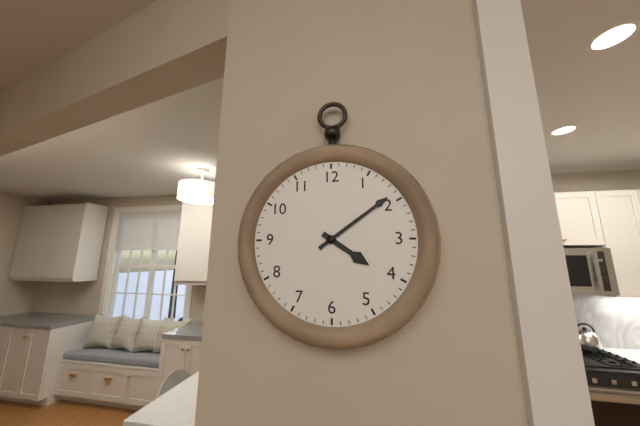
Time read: **4:09**
